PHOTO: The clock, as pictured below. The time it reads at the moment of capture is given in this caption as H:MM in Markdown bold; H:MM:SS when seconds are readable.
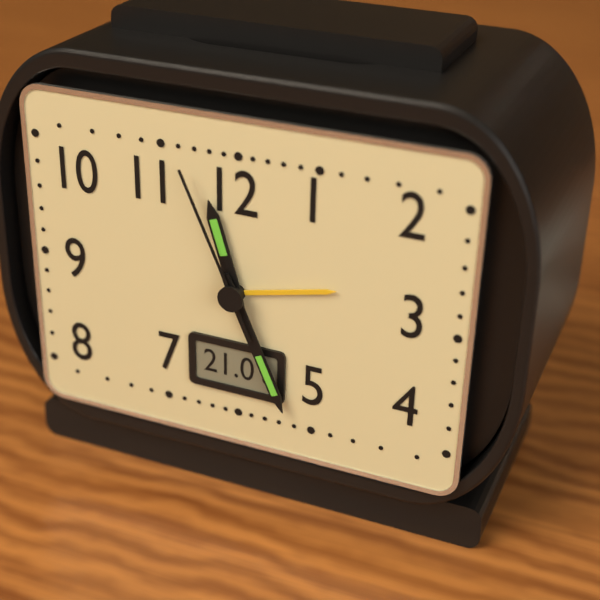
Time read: **11:26:56**
